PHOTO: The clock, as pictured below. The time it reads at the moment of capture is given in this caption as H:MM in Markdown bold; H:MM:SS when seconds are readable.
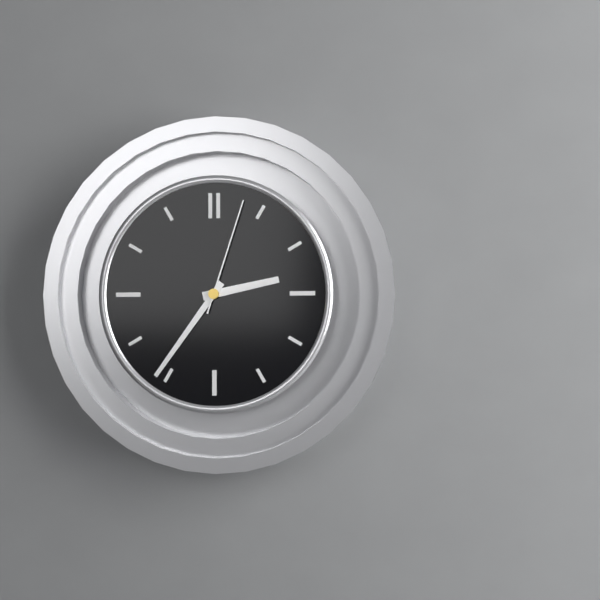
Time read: **2:36:03**
